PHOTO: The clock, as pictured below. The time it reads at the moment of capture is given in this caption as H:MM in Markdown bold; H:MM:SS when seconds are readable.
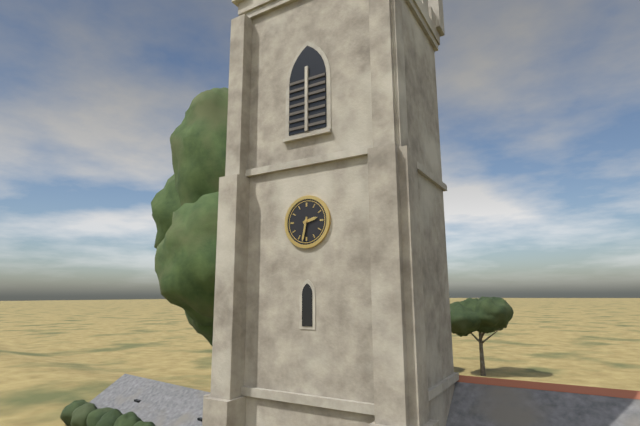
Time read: **2:32**
